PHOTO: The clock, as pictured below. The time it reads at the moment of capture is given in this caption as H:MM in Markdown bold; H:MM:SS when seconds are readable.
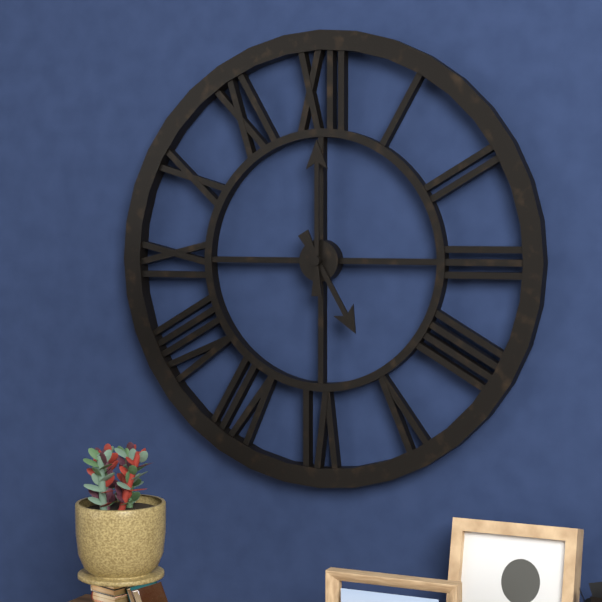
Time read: **5:00**
